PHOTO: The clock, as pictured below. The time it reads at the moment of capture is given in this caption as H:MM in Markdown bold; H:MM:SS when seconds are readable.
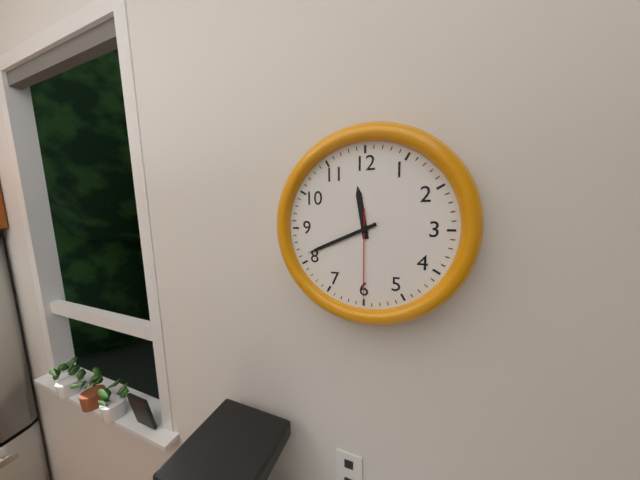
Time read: **11:41:30**
